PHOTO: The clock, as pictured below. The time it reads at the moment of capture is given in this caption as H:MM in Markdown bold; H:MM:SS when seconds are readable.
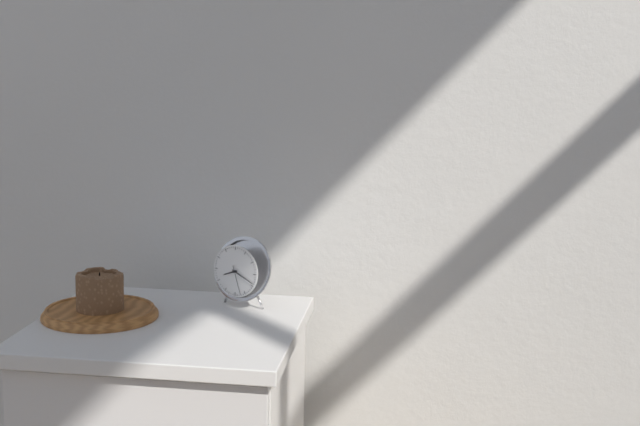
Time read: **8:19**
